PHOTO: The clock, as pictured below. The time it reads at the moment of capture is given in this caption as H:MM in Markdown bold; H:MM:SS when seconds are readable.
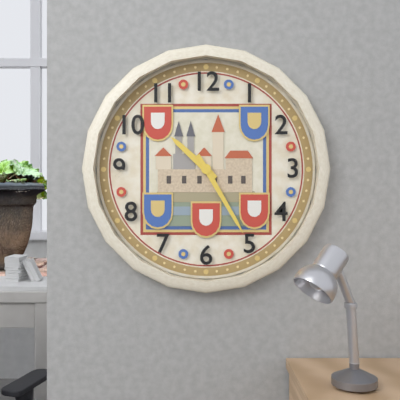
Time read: **10:25**
